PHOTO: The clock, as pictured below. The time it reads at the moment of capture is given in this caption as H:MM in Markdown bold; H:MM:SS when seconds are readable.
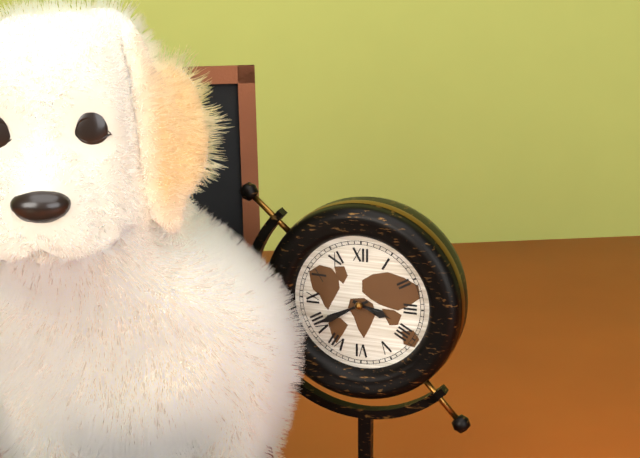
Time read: **3:40**
